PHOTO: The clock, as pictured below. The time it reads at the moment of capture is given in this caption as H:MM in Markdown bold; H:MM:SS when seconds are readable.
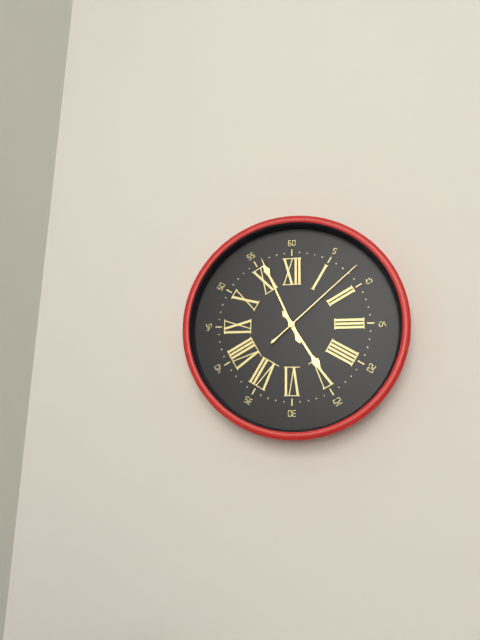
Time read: **4:56:08**
